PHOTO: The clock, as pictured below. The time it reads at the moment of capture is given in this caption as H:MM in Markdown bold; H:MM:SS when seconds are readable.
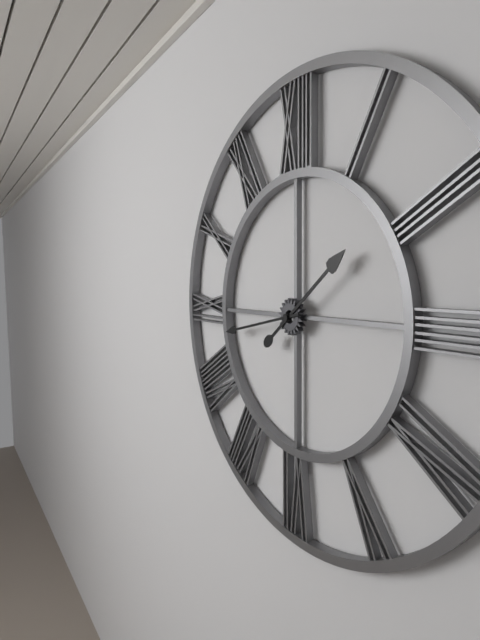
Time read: **1:43**
